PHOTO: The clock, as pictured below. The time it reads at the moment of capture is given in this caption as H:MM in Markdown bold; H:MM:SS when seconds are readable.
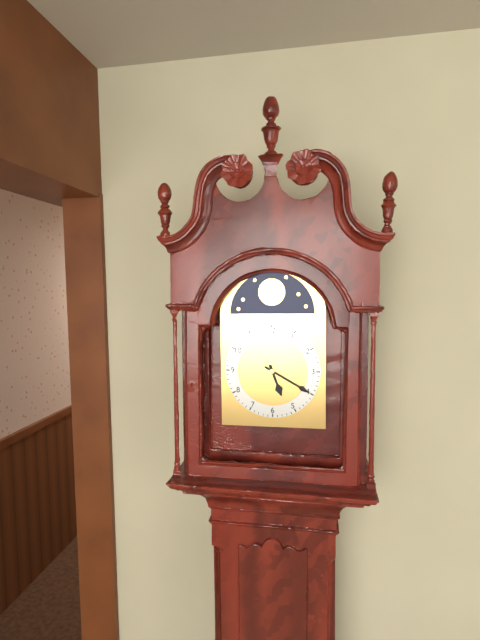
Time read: **5:20**
